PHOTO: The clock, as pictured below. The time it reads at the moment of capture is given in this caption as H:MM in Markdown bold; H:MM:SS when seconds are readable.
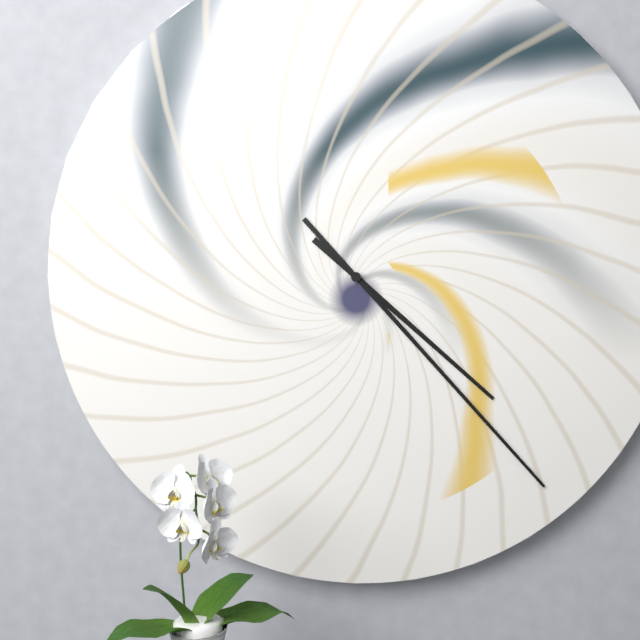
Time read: **4:23**
